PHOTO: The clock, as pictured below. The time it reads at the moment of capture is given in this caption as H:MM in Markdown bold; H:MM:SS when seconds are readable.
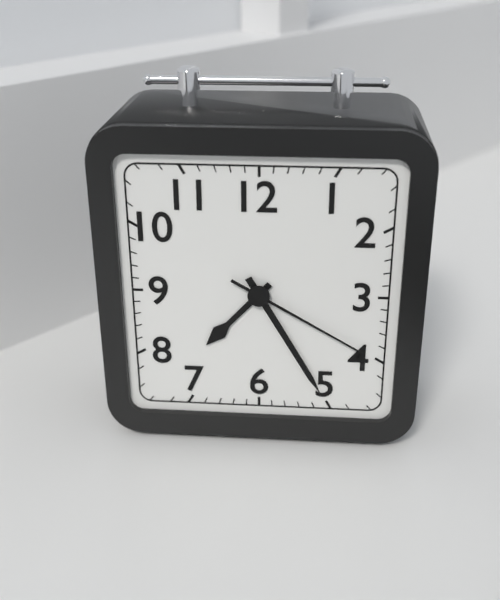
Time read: **7:25:20**
